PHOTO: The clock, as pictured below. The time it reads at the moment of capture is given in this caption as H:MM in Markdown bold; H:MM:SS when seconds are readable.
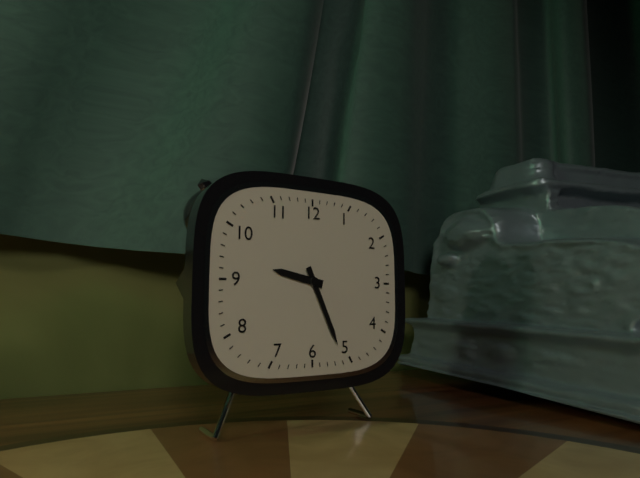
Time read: **9:26**
